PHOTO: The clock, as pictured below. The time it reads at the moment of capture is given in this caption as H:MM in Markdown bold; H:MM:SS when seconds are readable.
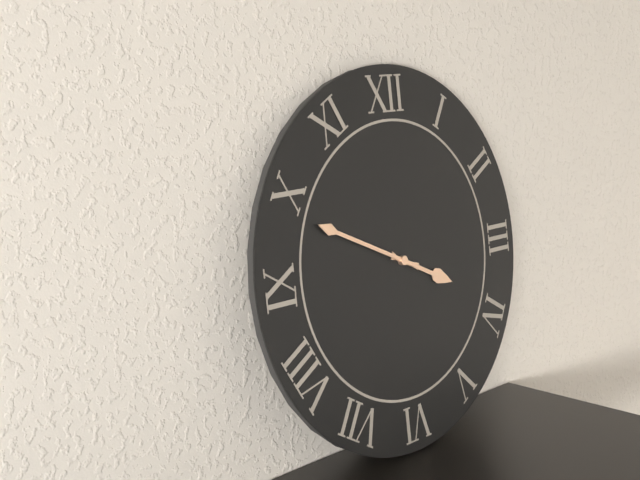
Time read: **3:49**
